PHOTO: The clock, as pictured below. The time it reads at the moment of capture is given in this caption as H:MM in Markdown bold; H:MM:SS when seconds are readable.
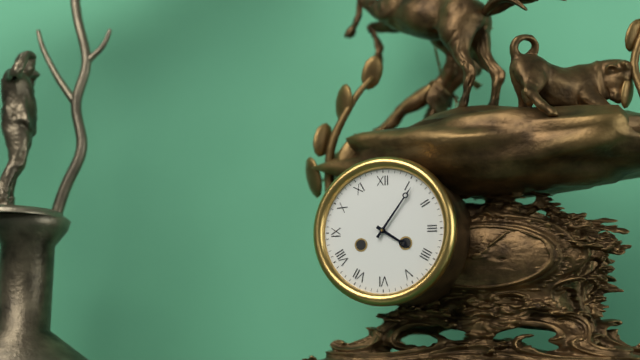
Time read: **4:06**
